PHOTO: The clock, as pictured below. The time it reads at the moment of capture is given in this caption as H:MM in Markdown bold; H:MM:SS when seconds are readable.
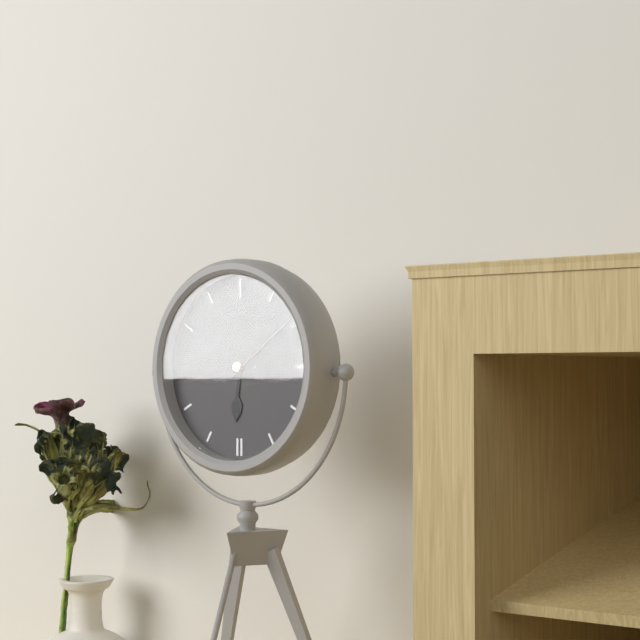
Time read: **6:09:45**
